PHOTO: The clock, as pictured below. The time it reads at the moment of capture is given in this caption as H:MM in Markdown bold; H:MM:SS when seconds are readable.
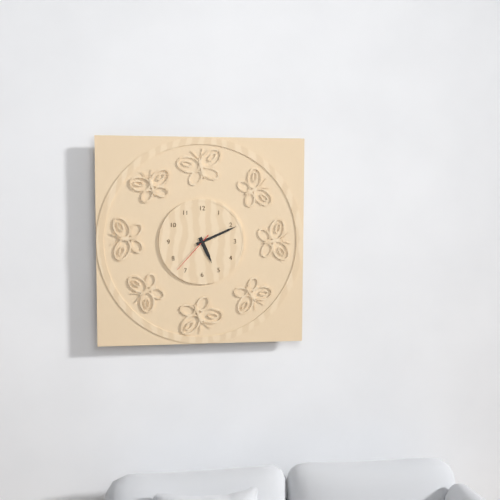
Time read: **5:11**
